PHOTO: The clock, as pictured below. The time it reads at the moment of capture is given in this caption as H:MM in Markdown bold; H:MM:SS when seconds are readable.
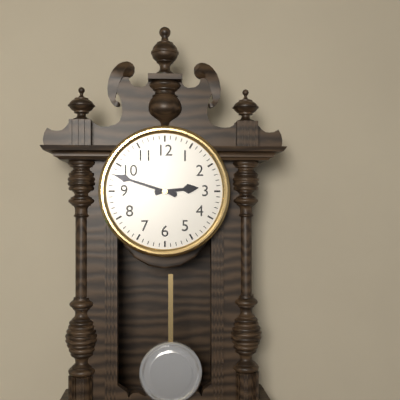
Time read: **2:48**
